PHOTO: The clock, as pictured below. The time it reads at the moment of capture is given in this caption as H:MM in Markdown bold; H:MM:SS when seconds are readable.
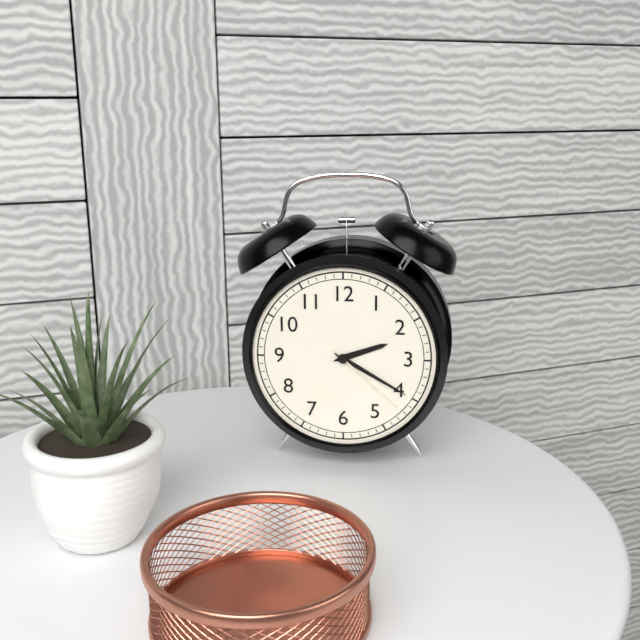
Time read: **2:20:22**
